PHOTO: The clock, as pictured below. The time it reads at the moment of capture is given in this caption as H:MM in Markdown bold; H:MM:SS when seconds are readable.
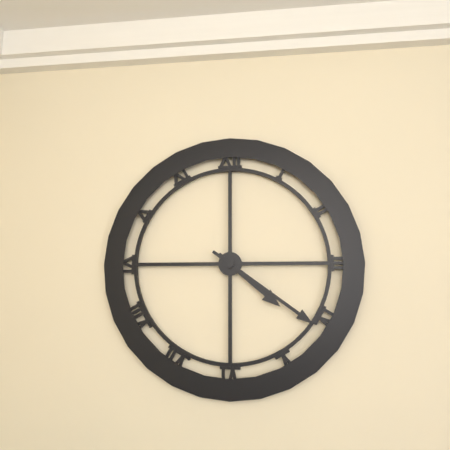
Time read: **4:21**
